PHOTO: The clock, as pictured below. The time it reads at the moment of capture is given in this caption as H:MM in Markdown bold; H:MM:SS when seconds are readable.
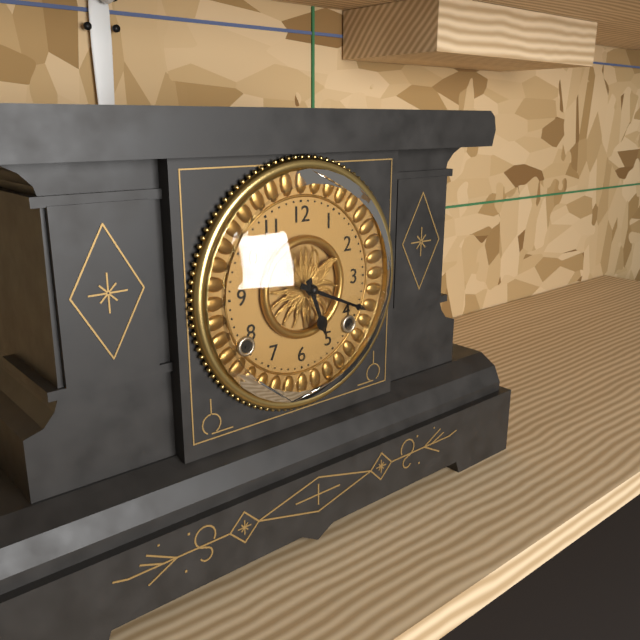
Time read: **5:19**
